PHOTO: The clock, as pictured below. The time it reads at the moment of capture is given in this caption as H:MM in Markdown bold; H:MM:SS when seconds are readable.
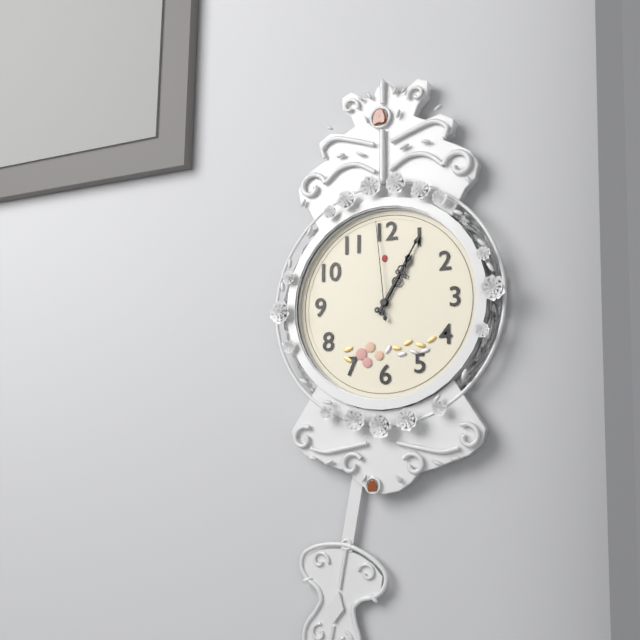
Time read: **1:05:59**
